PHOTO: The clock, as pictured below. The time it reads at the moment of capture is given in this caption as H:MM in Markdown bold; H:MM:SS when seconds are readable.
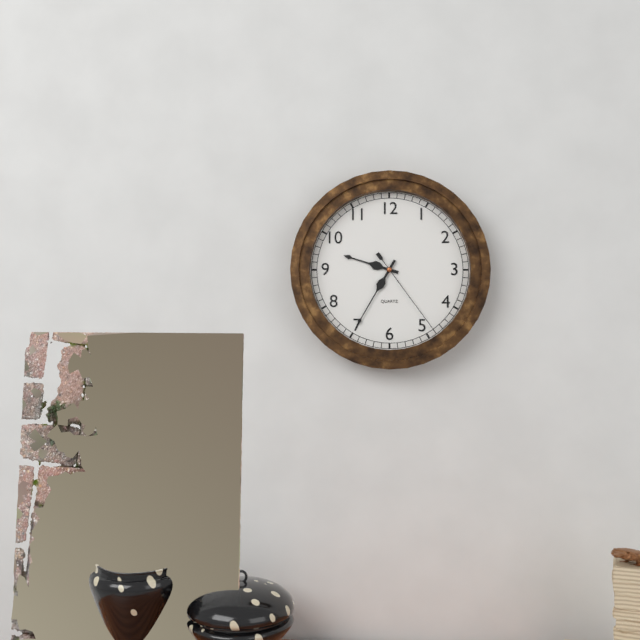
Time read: **9:35:24**
